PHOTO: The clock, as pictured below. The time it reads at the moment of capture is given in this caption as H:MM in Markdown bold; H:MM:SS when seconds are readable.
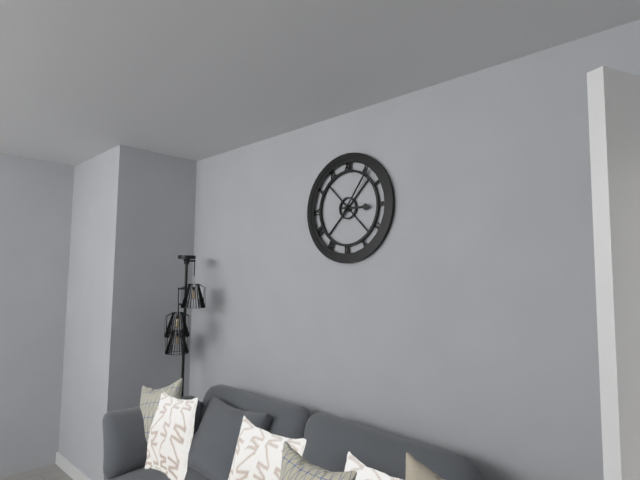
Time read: **3:06**
